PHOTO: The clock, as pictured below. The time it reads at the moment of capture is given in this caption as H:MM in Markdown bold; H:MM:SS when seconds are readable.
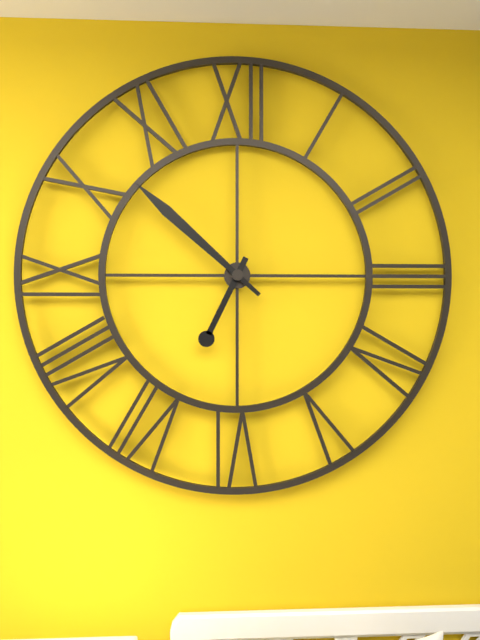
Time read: **6:52**
